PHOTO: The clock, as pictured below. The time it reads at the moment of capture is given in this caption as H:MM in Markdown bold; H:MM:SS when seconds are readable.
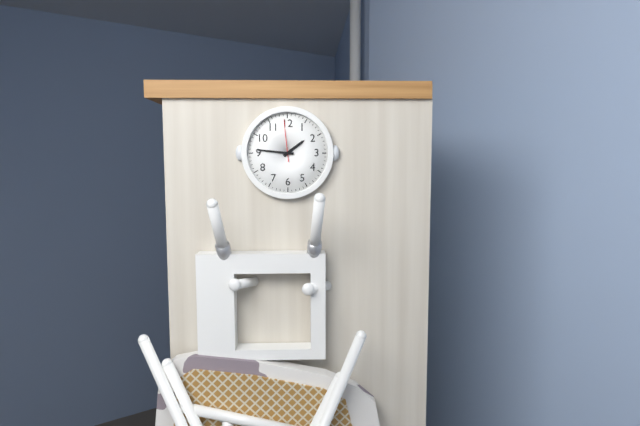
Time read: **1:46**
